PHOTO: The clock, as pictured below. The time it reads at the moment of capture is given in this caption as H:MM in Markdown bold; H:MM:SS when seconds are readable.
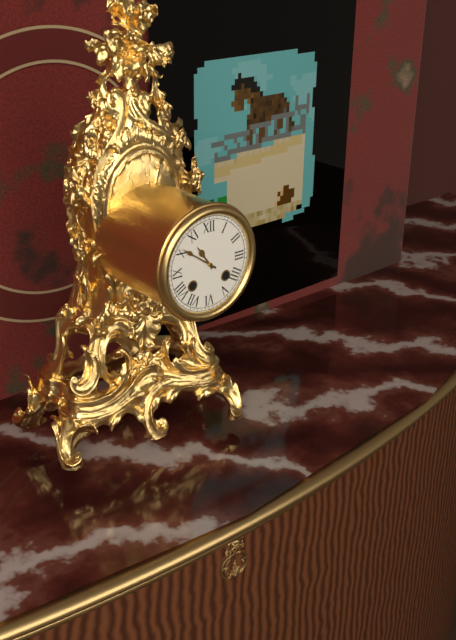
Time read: **10:51**
